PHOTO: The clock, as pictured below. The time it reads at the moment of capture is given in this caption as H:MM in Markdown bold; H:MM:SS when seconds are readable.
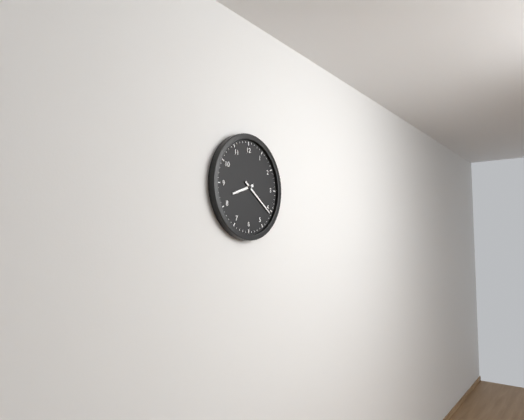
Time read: **8:21**
